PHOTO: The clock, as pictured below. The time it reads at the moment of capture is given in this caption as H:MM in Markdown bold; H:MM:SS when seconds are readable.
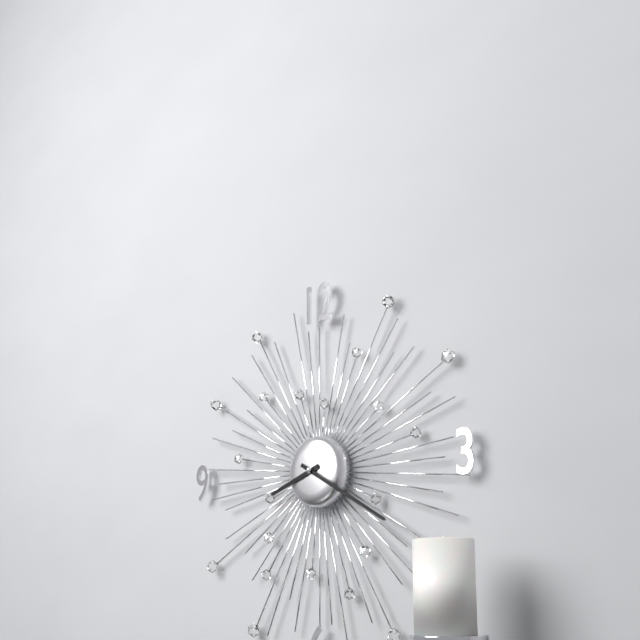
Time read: **8:20**
